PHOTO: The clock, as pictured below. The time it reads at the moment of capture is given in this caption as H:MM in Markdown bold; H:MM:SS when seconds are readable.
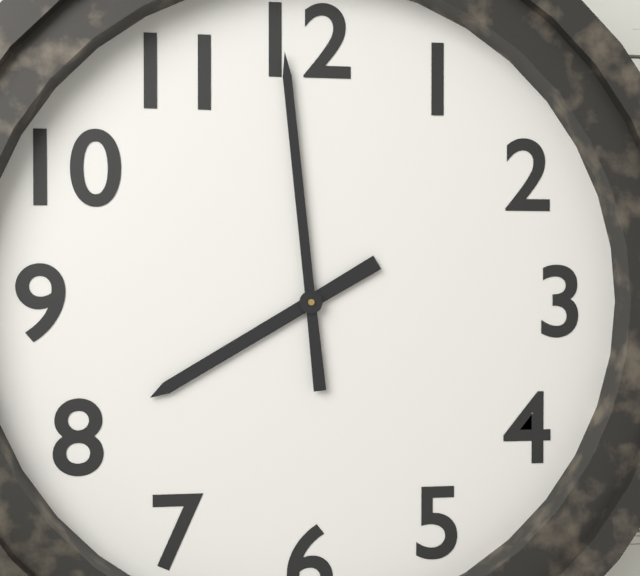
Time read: **7:59**
